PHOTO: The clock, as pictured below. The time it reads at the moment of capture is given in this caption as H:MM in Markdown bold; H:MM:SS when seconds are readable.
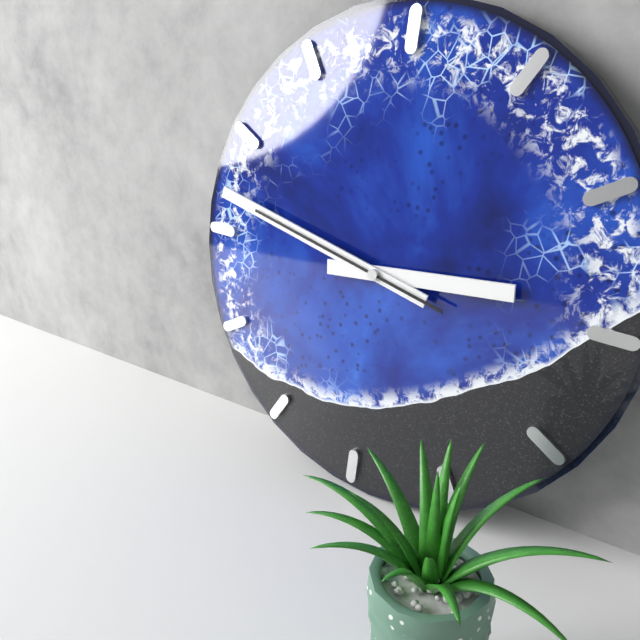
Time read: **2:47:47**
